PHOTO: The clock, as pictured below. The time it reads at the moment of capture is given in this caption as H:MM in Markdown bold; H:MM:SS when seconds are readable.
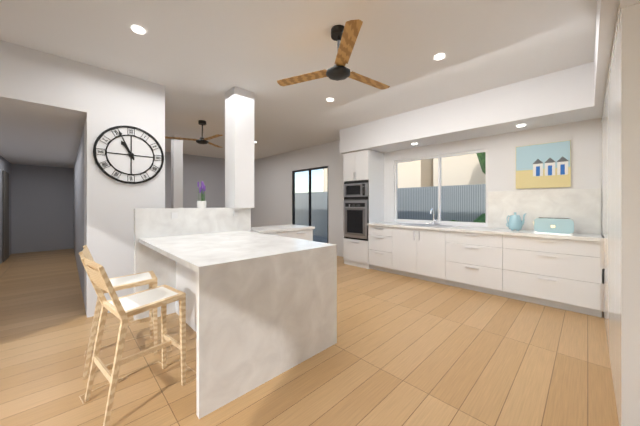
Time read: **10:56**
